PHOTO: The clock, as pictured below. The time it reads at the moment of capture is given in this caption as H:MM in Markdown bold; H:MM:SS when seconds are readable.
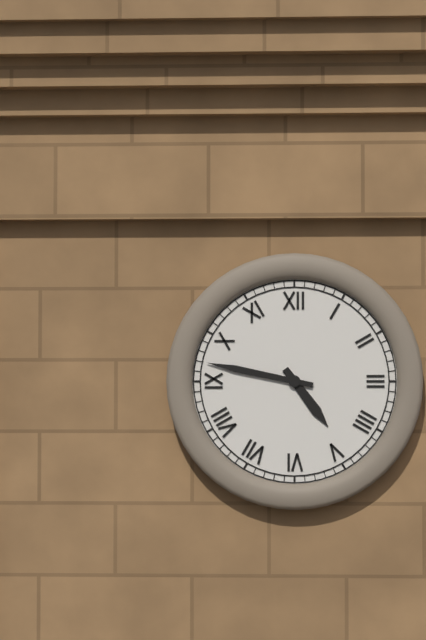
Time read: **4:47**
